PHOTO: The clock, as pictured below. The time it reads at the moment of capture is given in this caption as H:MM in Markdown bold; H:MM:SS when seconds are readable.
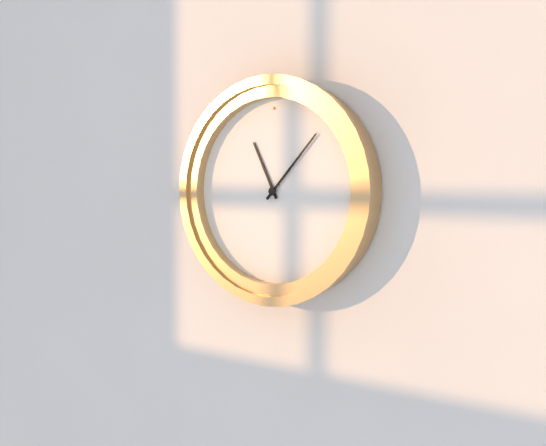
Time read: **11:07**
